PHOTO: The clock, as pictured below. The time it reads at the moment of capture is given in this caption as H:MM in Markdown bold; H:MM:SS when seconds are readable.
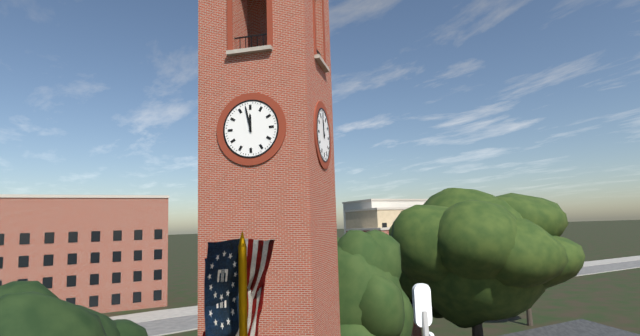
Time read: **11:58**
